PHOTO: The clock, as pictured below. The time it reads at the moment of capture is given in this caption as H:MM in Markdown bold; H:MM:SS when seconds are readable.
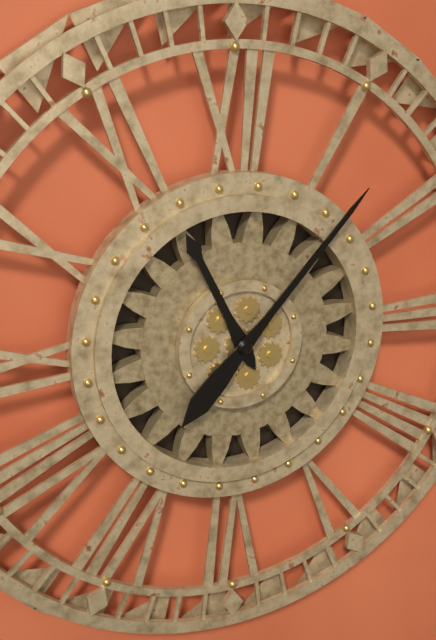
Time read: **11:07**
